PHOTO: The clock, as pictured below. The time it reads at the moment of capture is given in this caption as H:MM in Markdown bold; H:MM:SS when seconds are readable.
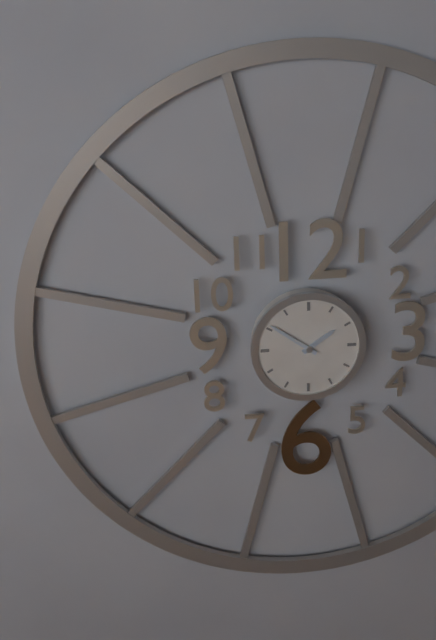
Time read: **1:51**
